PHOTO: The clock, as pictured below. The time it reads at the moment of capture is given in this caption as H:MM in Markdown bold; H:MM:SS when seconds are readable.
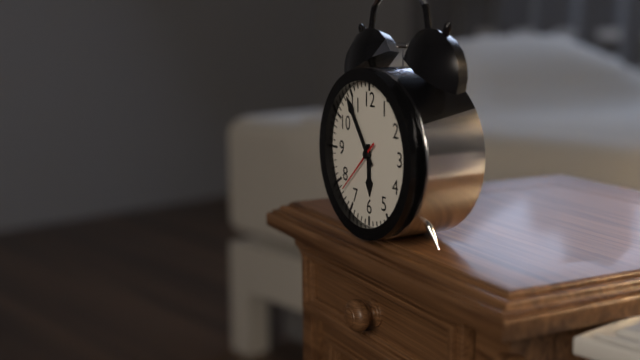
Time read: **5:54:38**
